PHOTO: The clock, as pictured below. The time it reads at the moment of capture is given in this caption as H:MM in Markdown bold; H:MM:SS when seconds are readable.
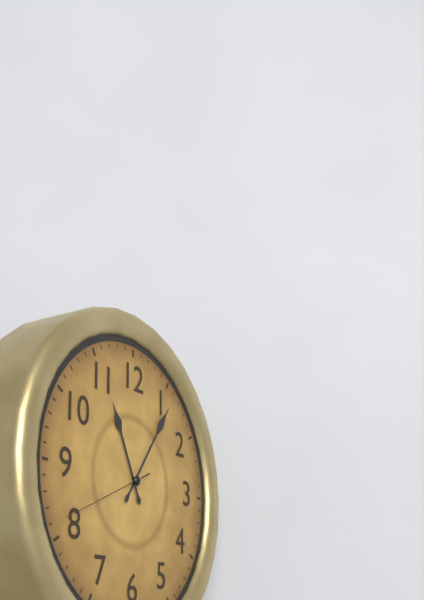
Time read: **11:06:41**
